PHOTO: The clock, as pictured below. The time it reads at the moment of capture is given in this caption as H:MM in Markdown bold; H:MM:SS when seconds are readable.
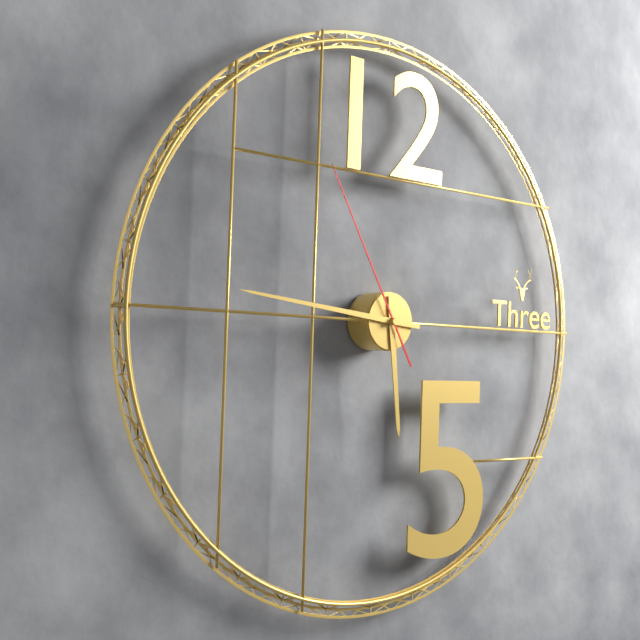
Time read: **5:46:55**
